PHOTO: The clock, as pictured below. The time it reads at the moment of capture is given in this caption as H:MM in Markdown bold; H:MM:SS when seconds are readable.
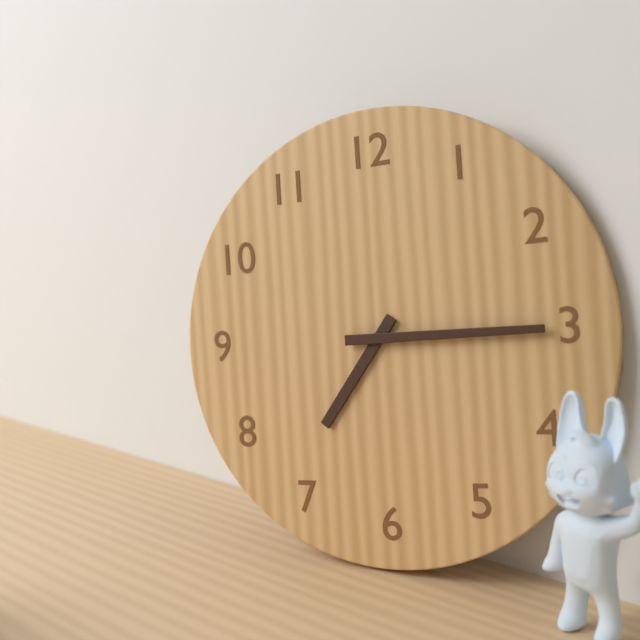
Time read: **7:15**
